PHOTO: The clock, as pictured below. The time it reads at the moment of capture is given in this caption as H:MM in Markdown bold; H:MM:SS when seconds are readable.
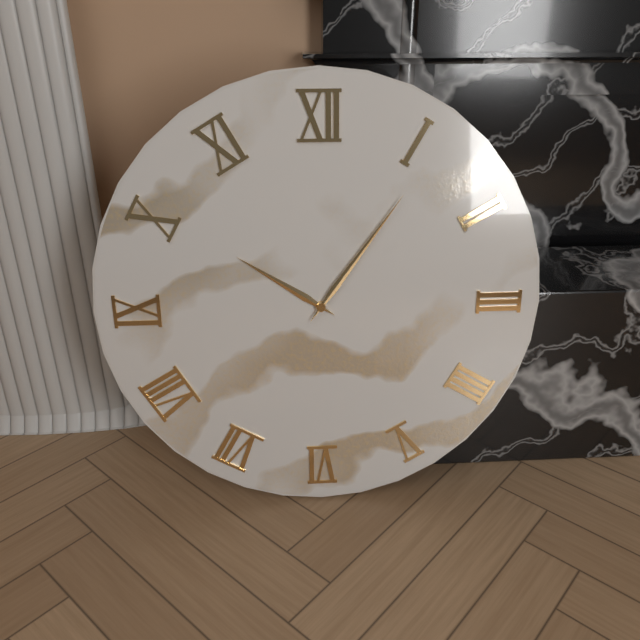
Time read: **10:06**
